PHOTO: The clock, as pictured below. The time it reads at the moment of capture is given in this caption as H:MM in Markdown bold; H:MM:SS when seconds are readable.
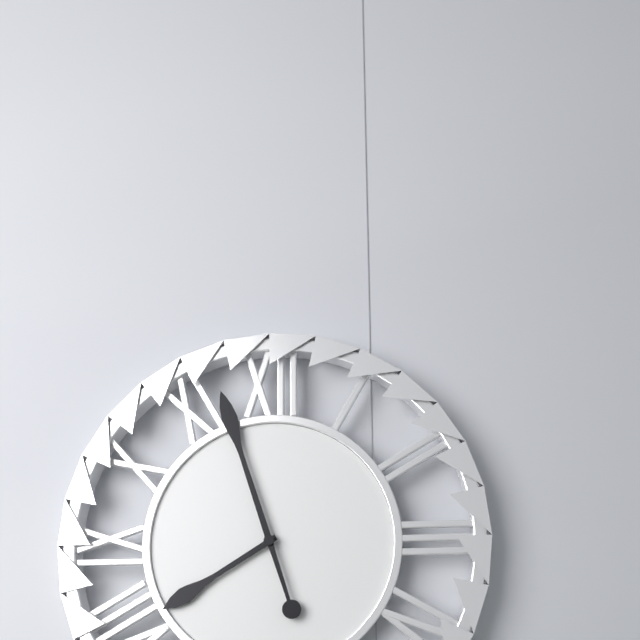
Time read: **7:57**
